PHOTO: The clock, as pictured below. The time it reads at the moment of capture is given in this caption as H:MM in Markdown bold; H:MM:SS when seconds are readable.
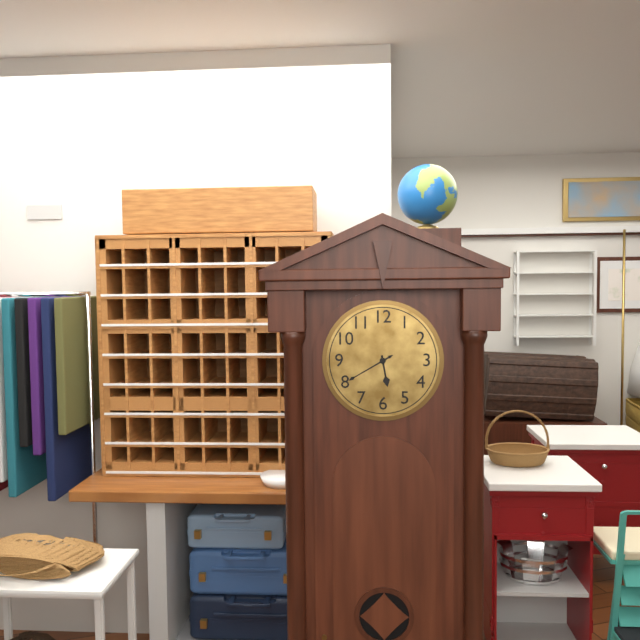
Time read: **5:40**
